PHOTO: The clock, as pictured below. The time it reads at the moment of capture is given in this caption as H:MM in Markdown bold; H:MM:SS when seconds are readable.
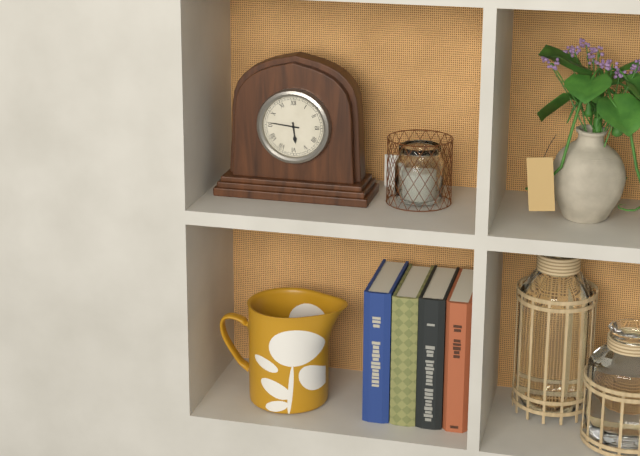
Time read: **5:46**
